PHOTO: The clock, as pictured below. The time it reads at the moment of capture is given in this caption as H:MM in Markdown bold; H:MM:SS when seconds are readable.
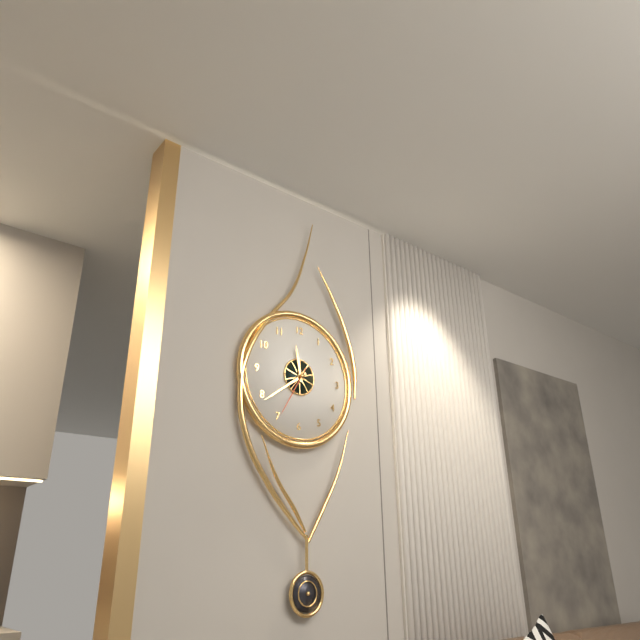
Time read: **11:39:35**
